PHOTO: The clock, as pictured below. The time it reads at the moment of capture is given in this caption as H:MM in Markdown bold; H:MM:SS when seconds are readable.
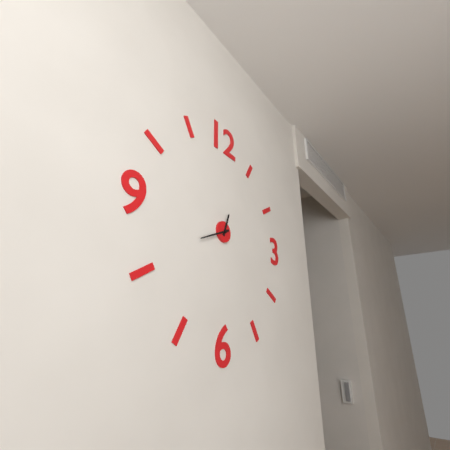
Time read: **12:41**
